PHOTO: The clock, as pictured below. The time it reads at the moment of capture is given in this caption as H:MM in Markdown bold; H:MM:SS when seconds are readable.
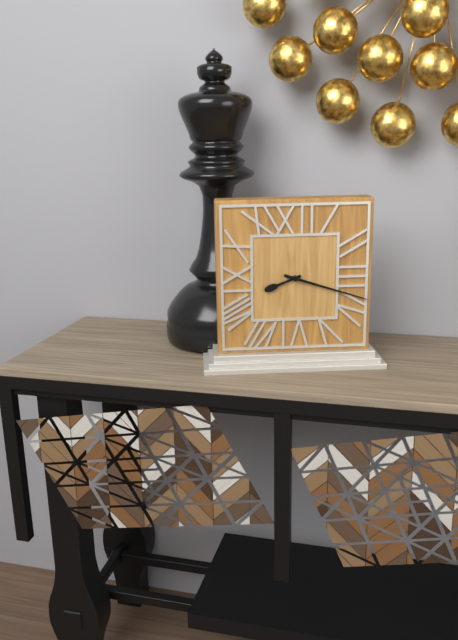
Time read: **8:18**
